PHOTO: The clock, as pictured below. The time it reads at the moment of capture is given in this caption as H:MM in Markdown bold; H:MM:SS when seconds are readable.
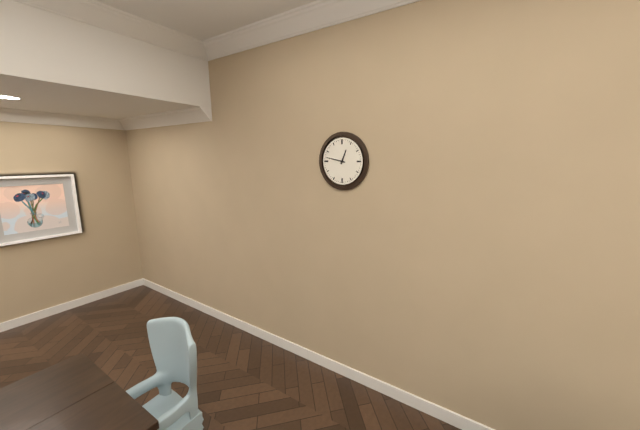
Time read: **12:47**
